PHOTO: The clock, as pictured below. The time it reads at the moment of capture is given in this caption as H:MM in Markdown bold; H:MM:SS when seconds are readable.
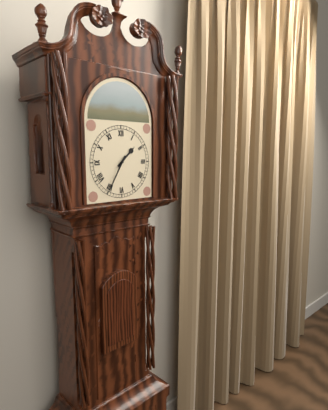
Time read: **1:35**
